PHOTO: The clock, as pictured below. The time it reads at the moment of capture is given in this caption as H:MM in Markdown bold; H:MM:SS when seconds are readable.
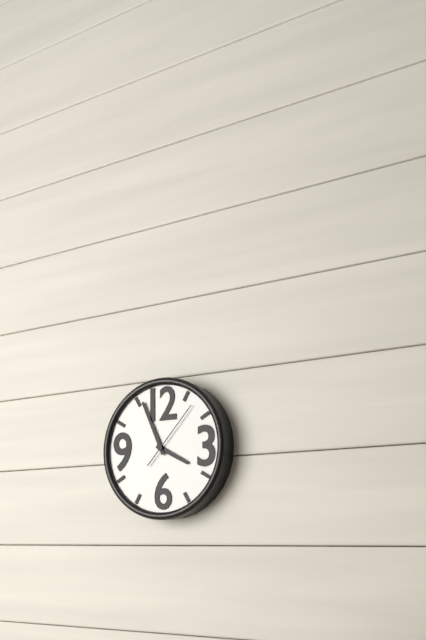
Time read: **3:56:07**
